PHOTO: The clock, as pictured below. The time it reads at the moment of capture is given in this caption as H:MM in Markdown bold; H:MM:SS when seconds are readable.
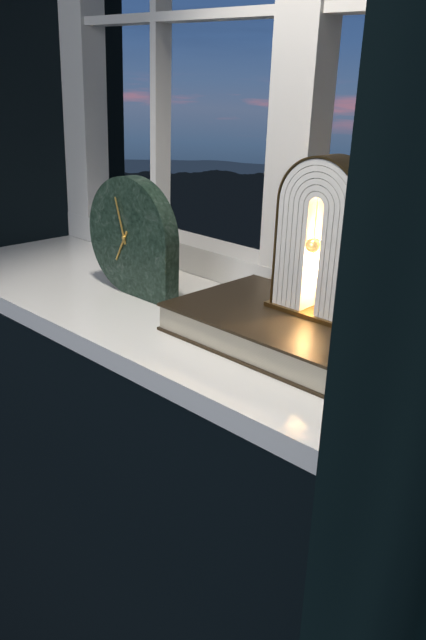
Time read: **6:57**
